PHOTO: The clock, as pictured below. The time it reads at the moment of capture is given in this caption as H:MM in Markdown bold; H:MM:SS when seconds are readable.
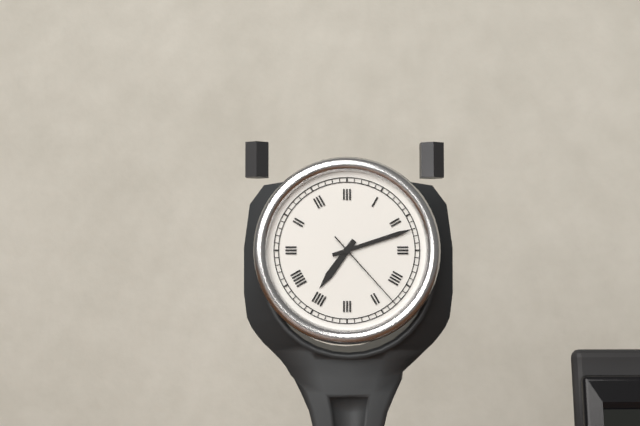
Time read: **7:12:23**
